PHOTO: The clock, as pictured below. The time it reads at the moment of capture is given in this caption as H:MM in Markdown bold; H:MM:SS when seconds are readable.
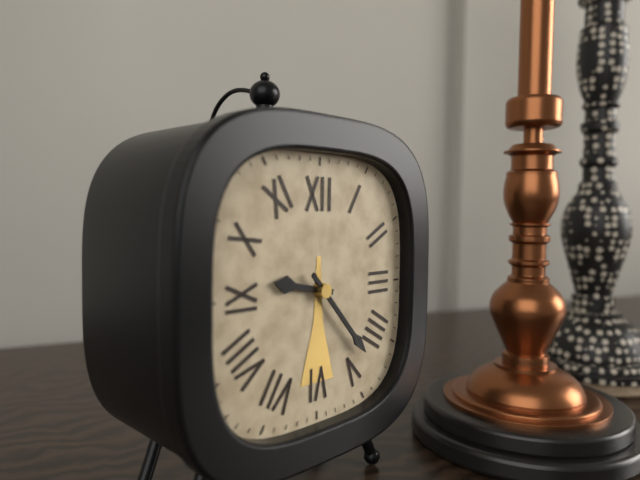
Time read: **9:23**
